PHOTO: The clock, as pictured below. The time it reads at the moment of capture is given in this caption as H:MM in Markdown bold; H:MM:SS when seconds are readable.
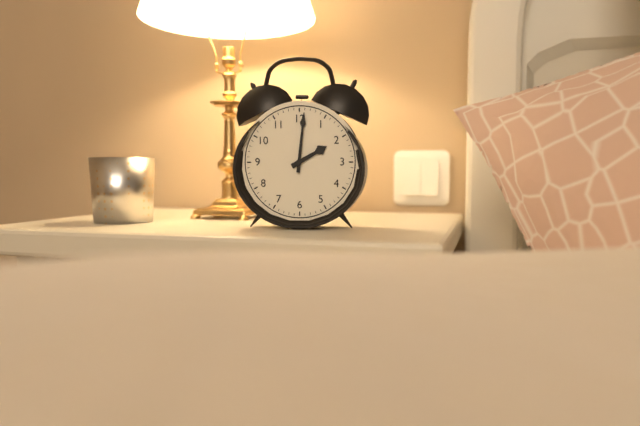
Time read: **2:01**
